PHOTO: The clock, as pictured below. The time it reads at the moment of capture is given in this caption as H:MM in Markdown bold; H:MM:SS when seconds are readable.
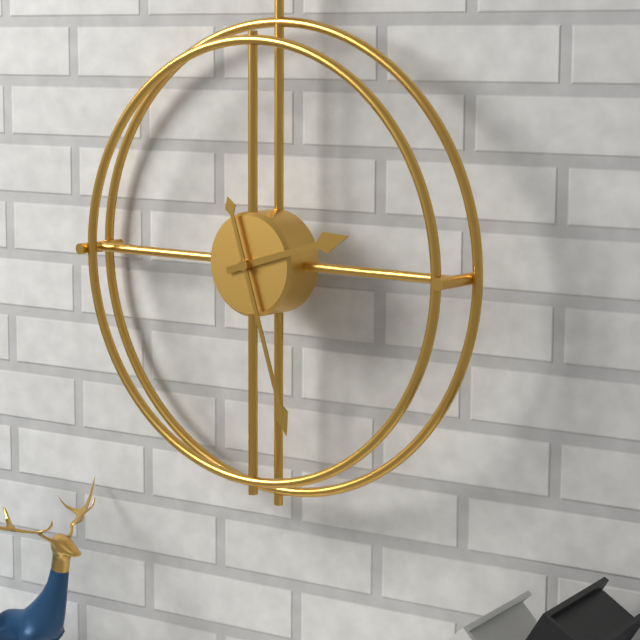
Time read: **2:27**
